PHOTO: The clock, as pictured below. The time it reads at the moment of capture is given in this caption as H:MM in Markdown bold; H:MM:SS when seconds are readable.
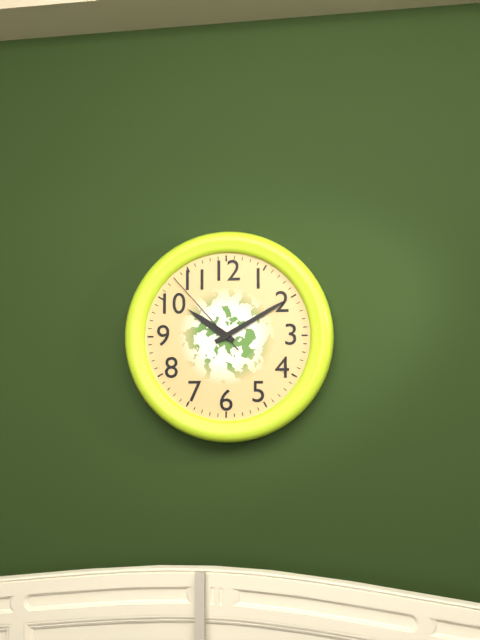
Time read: **10:10:53**
